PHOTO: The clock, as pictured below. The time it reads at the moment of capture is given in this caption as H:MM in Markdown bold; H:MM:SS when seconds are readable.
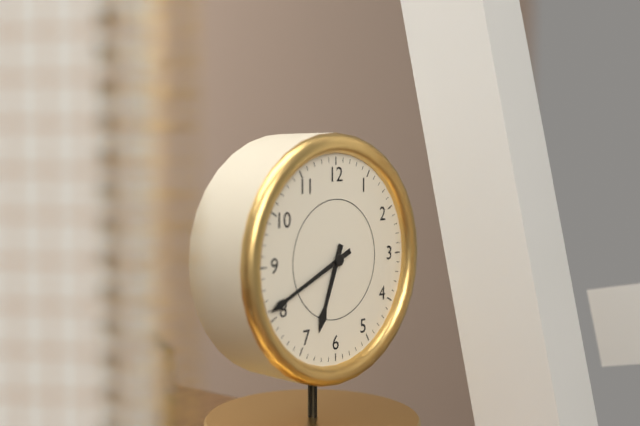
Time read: **6:41**
